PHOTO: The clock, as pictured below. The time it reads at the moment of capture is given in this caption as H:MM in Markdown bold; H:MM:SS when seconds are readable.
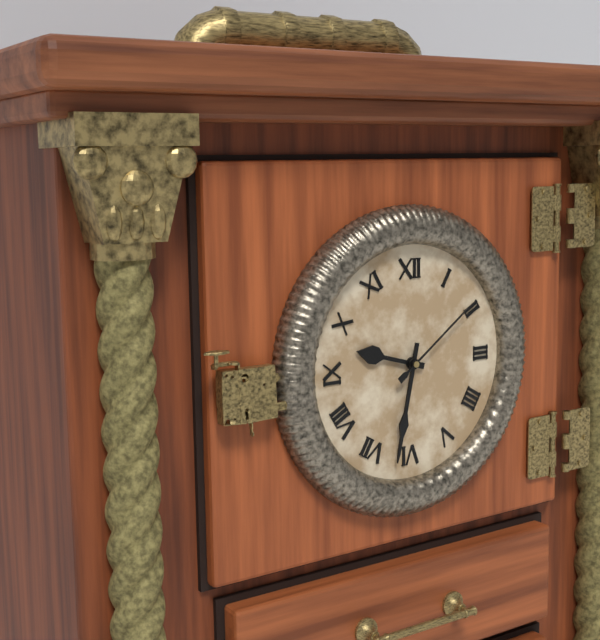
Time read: **9:32:09**
